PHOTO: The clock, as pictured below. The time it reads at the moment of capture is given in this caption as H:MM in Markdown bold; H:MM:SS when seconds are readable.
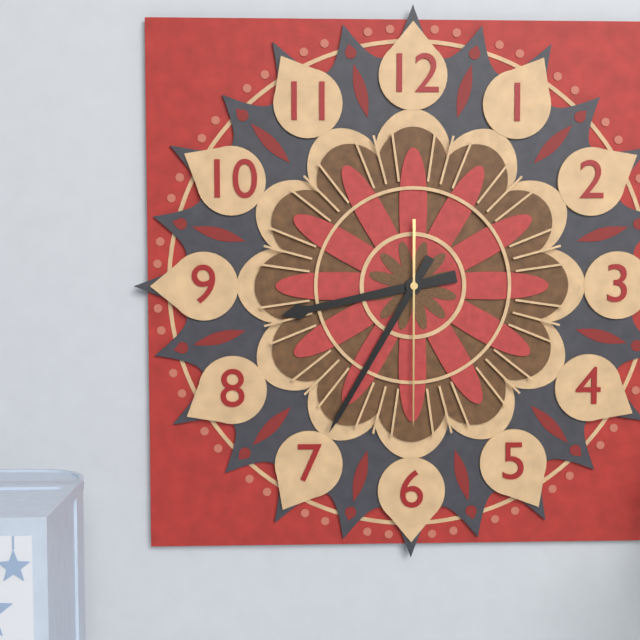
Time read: **8:35:30**
